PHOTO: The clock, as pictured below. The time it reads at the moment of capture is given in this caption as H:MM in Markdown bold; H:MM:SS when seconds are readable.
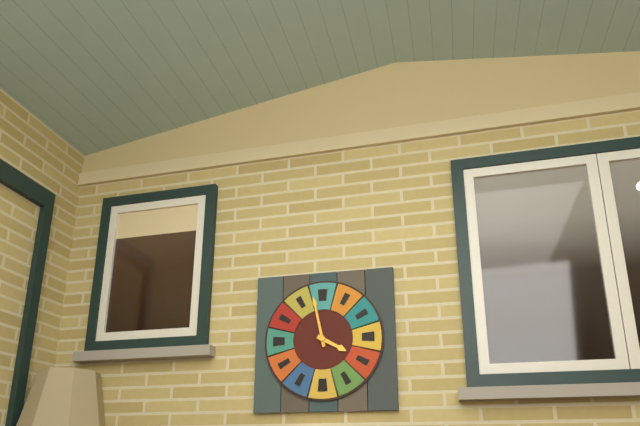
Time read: **3:58**
